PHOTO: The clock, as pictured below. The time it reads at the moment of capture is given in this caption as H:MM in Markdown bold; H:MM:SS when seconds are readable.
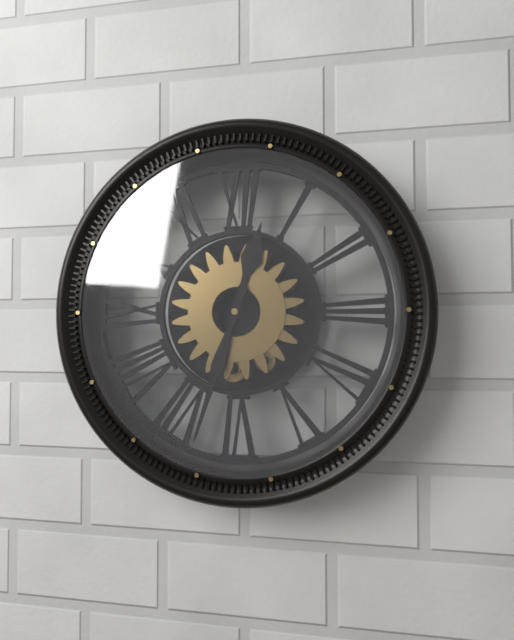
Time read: **12:33**
